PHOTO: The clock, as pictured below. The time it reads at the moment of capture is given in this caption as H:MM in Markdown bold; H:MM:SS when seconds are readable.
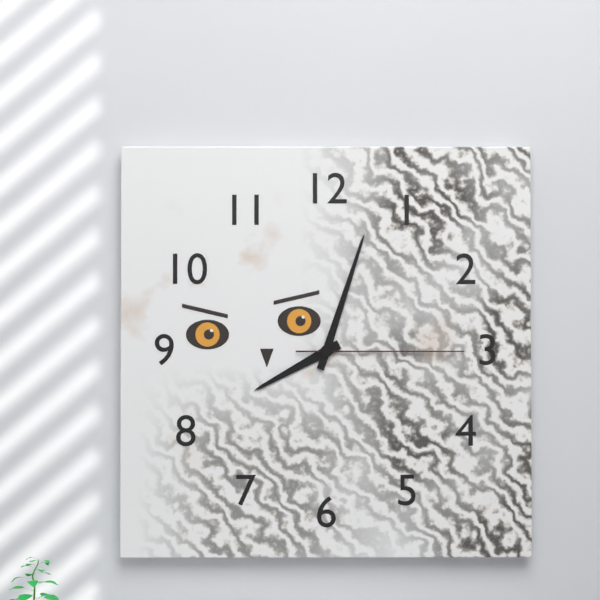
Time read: **8:03:15**
